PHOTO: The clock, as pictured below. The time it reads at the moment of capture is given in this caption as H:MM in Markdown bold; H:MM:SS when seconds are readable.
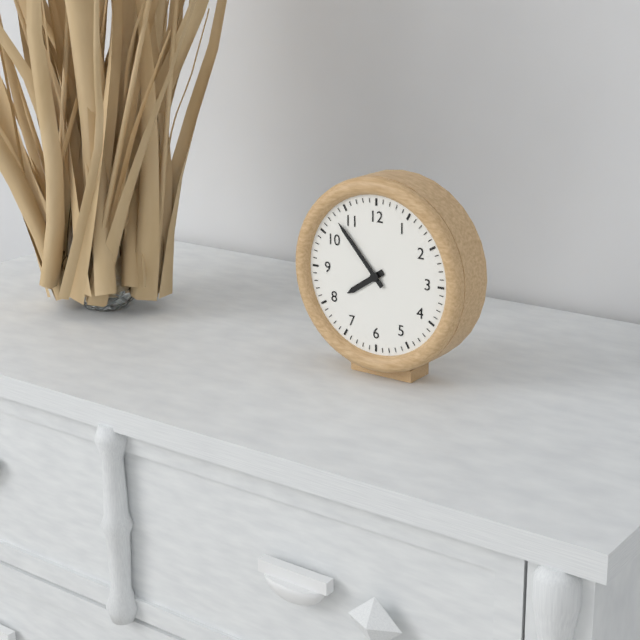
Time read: **7:53**
